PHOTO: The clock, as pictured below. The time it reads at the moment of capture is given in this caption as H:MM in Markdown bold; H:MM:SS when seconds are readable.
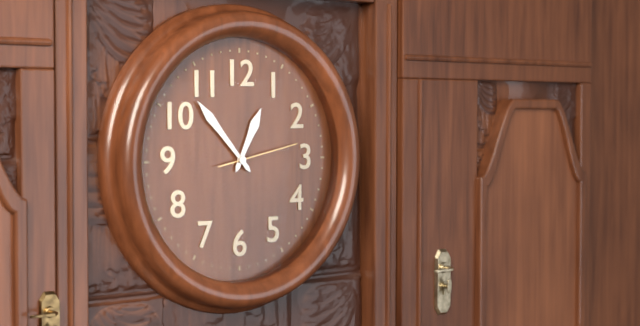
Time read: **12:53:13**
